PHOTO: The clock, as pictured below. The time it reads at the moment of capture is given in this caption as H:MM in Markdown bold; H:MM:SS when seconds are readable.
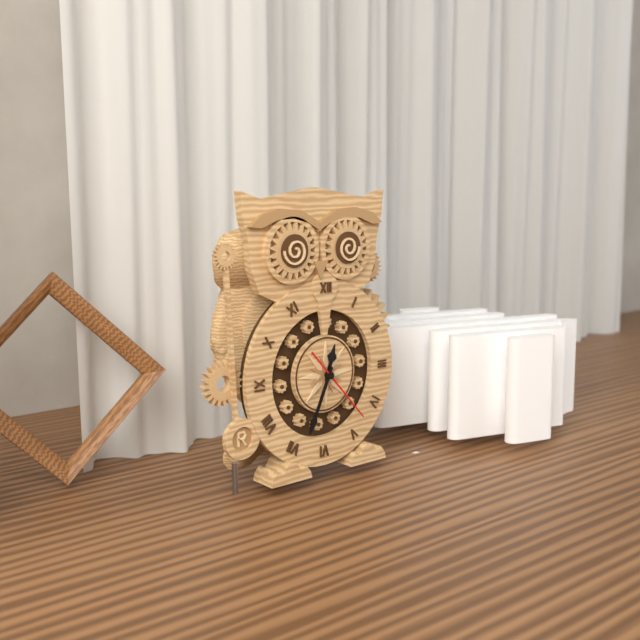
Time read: **12:34:23**
